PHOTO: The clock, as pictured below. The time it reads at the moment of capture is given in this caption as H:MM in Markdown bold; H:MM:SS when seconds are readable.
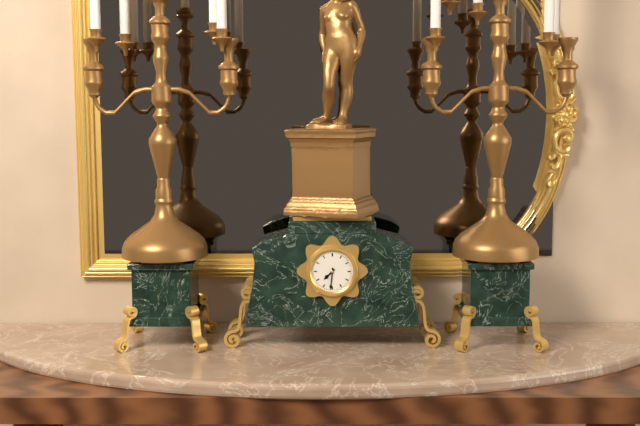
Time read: **7:31**
